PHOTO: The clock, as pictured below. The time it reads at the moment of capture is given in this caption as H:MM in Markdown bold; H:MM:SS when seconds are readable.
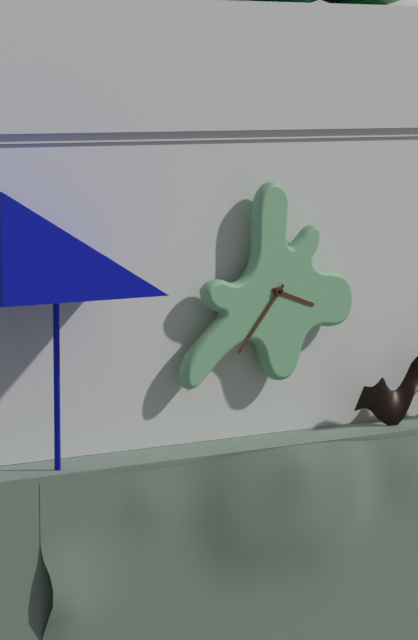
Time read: **3:37**
